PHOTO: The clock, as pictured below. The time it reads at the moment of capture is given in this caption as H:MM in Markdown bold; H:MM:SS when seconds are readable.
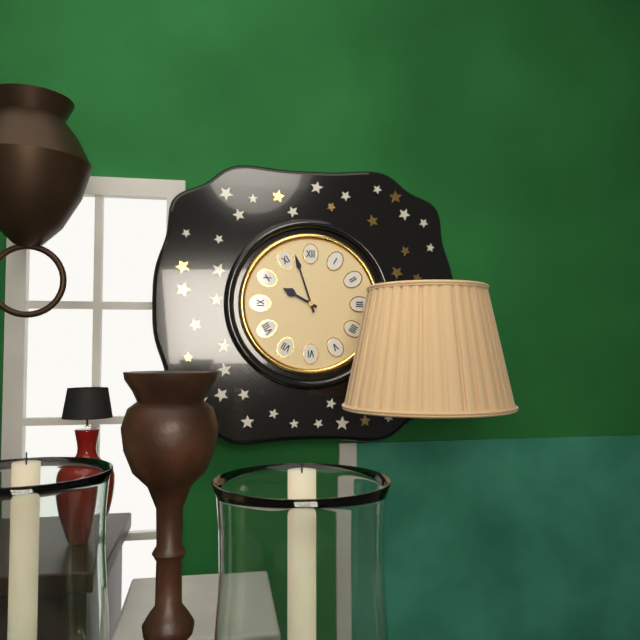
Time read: **9:57**
